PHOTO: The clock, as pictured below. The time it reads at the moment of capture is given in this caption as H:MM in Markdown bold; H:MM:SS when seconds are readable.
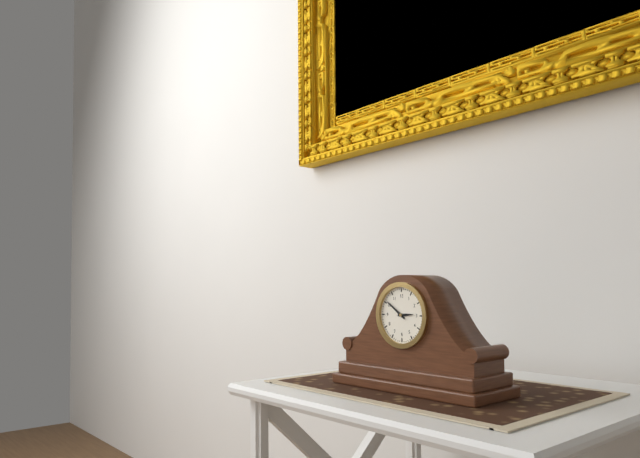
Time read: **2:51**
